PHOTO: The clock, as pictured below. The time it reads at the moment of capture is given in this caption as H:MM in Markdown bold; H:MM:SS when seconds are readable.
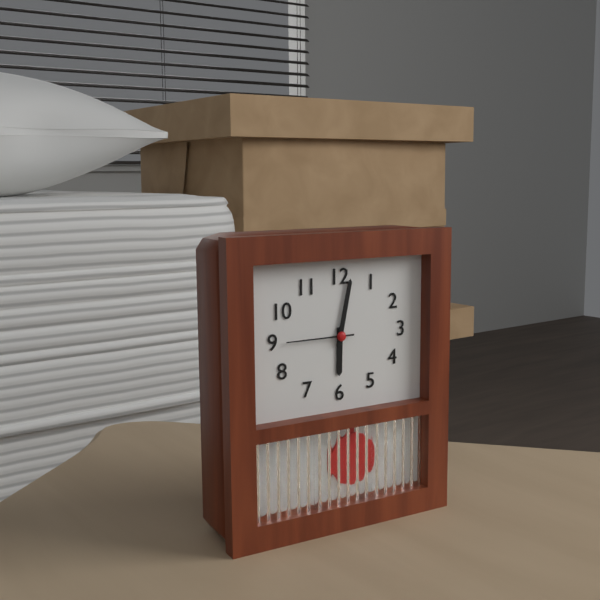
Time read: **6:02:45**
